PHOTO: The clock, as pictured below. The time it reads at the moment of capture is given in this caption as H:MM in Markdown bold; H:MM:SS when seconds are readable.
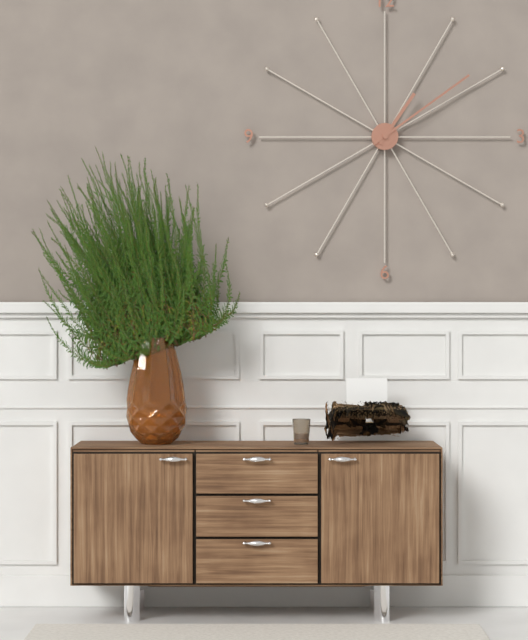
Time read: **1:09**
